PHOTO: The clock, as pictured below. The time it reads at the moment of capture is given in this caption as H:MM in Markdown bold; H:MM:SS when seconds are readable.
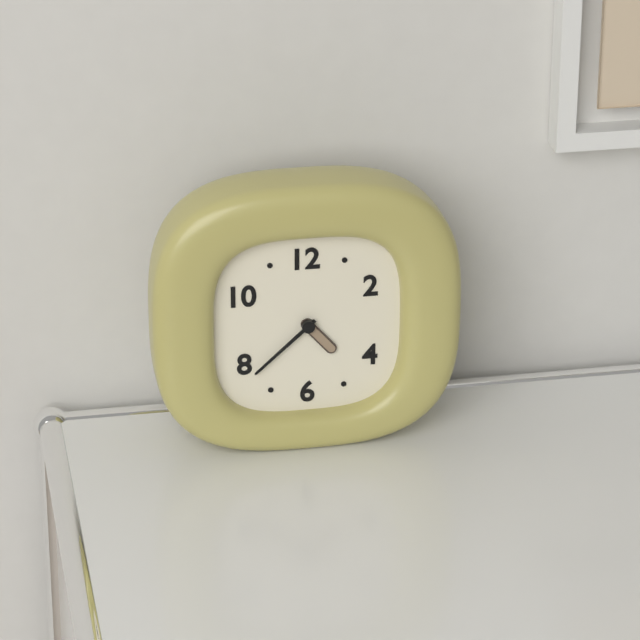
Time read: **4:38**
